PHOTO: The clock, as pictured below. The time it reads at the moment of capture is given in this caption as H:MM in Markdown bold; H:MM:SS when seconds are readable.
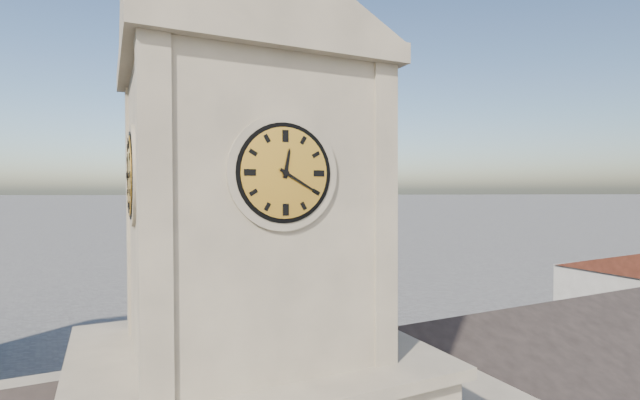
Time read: **12:20**
